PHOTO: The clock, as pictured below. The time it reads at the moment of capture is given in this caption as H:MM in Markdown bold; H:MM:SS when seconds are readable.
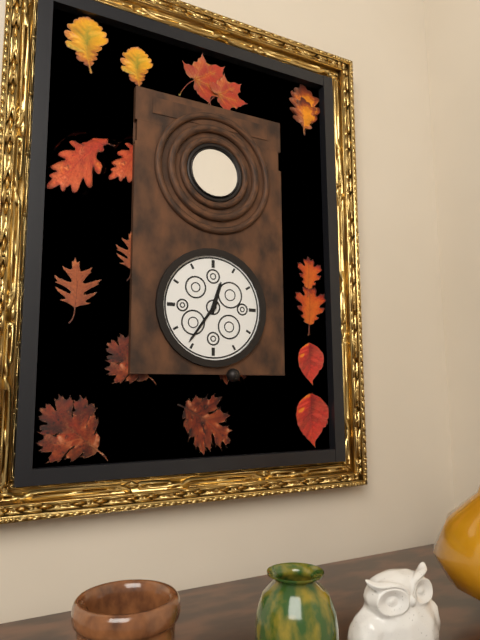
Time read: **12:36**
